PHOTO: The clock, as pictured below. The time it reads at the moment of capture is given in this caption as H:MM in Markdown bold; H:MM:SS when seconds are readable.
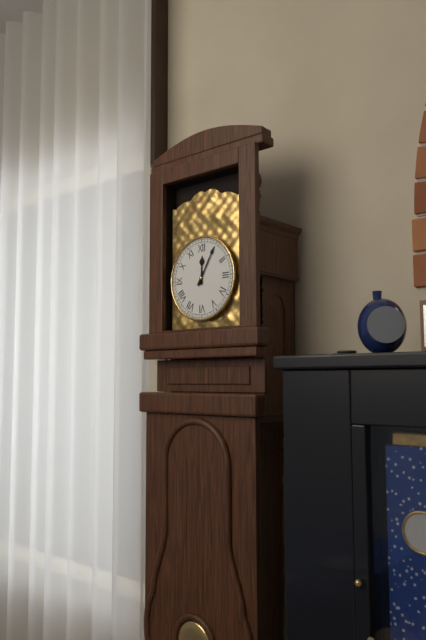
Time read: **12:05**
